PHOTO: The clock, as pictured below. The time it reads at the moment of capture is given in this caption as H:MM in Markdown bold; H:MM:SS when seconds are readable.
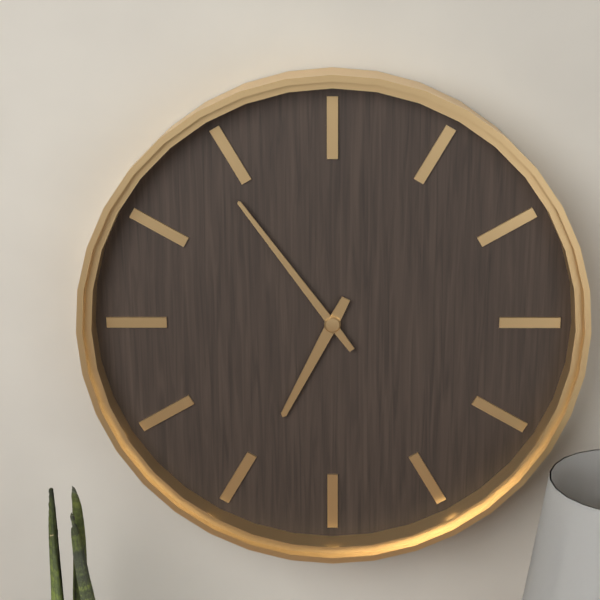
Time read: **6:54**
